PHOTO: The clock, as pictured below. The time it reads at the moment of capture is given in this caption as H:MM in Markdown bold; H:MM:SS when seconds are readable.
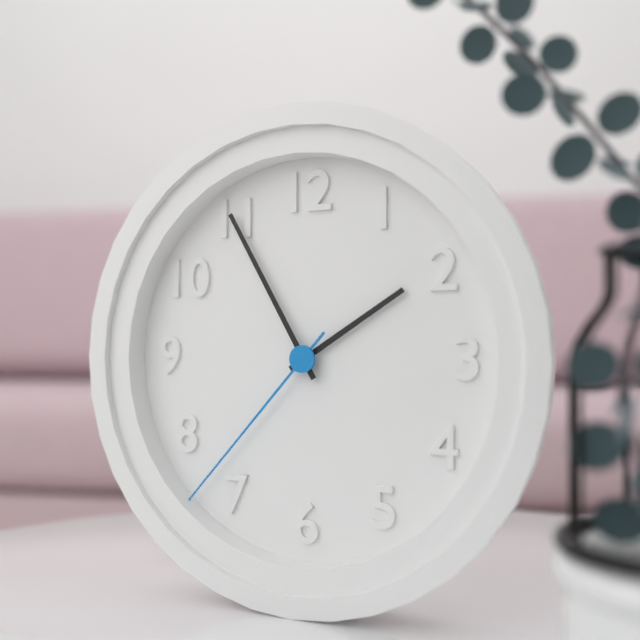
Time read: **1:55:37**
